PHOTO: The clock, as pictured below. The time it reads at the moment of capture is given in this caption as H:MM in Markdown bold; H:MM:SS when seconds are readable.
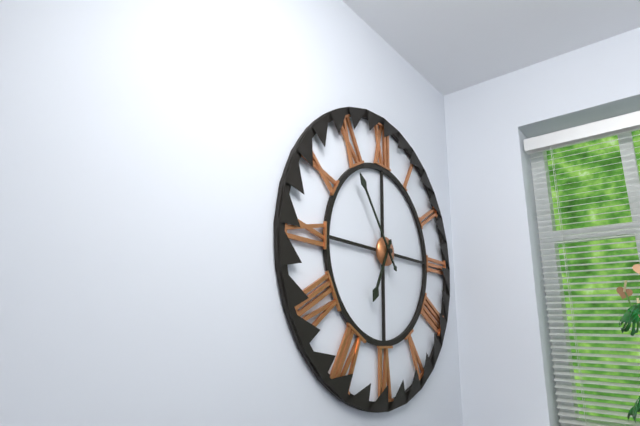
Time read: **6:54**
